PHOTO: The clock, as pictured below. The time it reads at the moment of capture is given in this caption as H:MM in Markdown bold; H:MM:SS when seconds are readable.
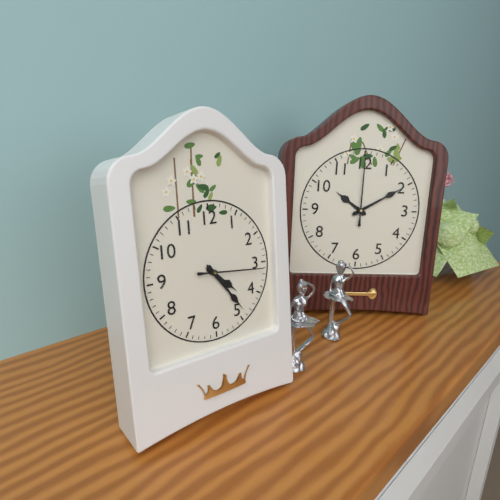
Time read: **4:24:16**
